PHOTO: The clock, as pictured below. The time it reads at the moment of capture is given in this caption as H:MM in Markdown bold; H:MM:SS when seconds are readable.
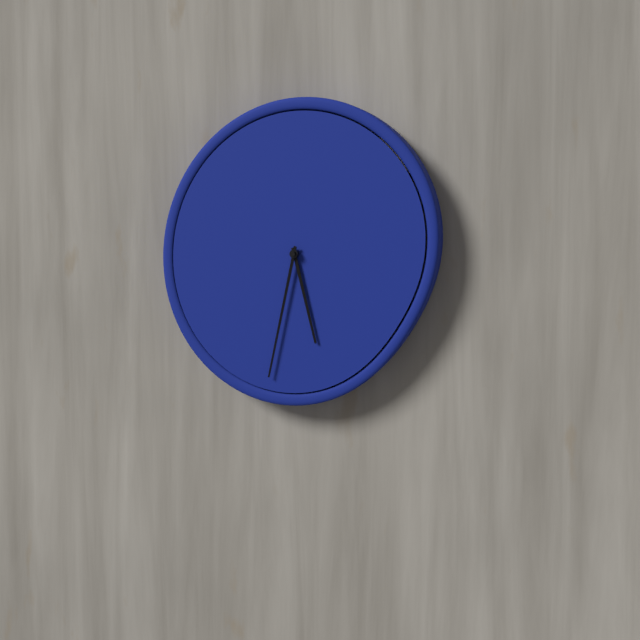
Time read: **5:32**
